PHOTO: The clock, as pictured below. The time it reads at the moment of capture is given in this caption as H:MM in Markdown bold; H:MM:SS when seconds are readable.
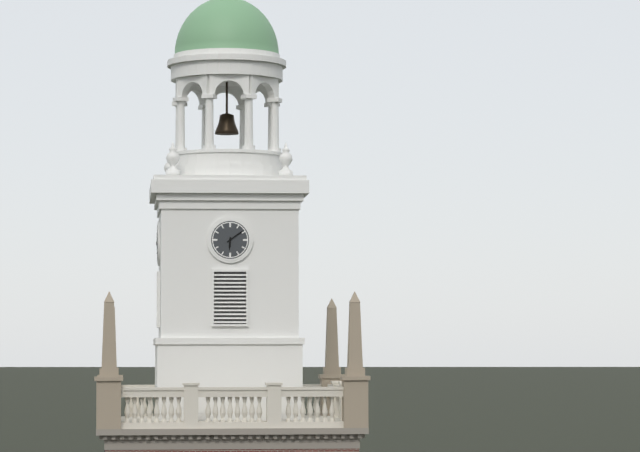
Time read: **6:09**
